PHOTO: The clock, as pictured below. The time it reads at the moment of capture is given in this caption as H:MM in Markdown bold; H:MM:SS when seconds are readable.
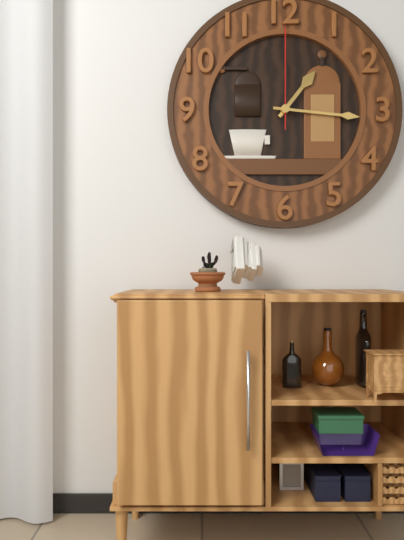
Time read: **1:16:00**
